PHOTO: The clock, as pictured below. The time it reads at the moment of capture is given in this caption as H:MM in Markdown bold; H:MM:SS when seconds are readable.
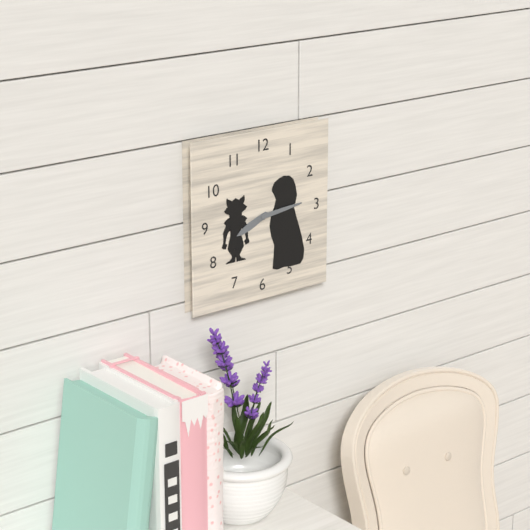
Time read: **8:14**
